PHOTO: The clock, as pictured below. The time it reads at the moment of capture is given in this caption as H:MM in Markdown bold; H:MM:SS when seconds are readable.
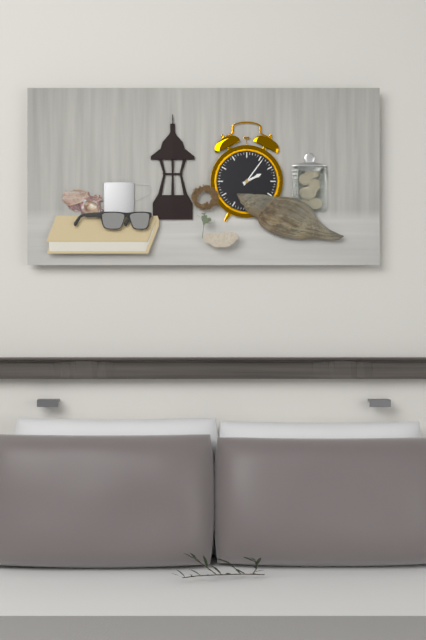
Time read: **2:06**
